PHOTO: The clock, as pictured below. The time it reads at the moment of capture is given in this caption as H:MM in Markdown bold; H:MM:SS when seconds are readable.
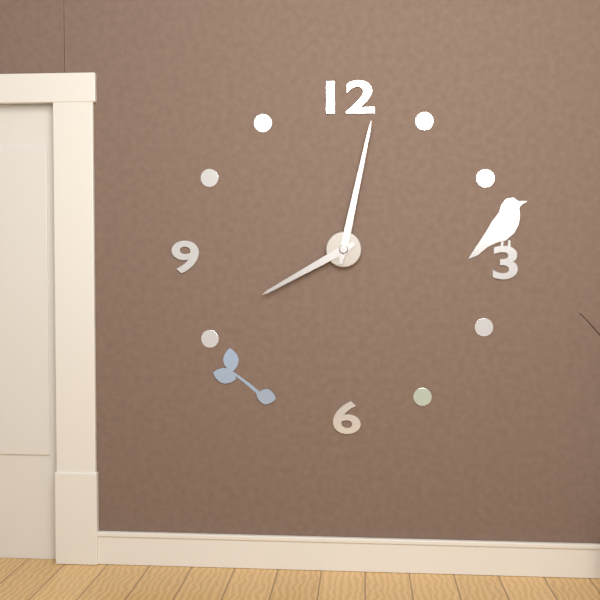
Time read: **8:02**
